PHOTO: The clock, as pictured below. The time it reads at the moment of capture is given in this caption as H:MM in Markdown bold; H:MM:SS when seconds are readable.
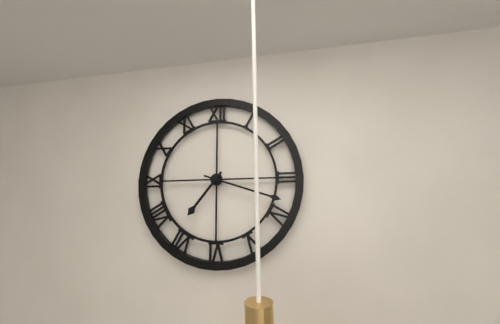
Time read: **7:18**
